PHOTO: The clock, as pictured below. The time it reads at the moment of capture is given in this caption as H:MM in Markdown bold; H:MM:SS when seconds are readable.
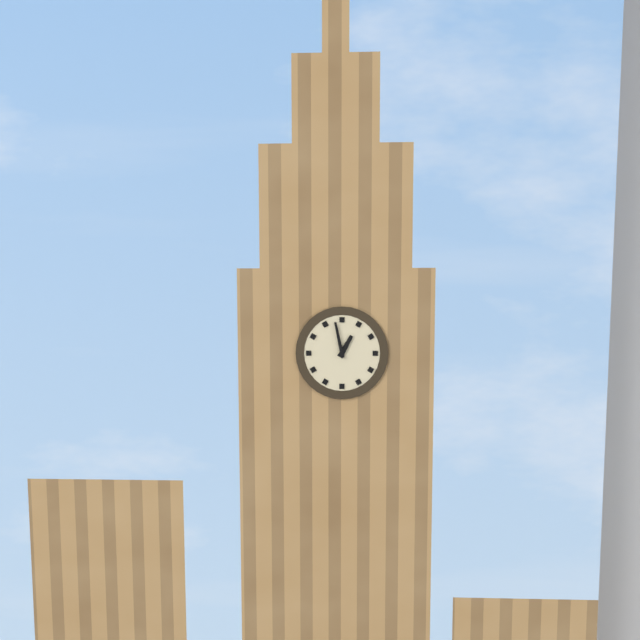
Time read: **12:58**
